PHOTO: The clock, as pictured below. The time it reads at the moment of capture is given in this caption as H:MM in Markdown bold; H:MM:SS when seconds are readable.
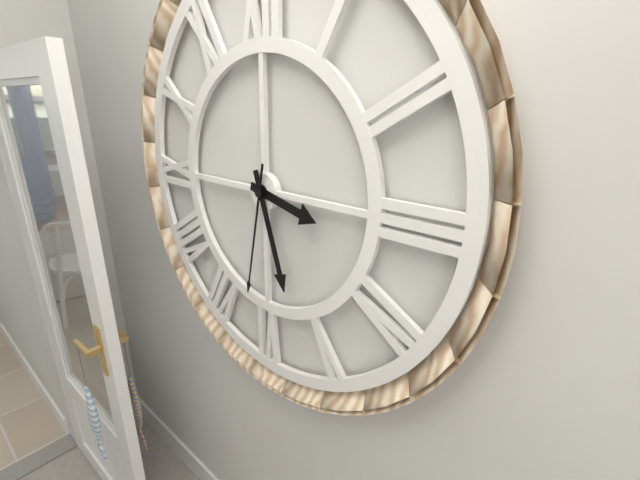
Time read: **3:27:32**
